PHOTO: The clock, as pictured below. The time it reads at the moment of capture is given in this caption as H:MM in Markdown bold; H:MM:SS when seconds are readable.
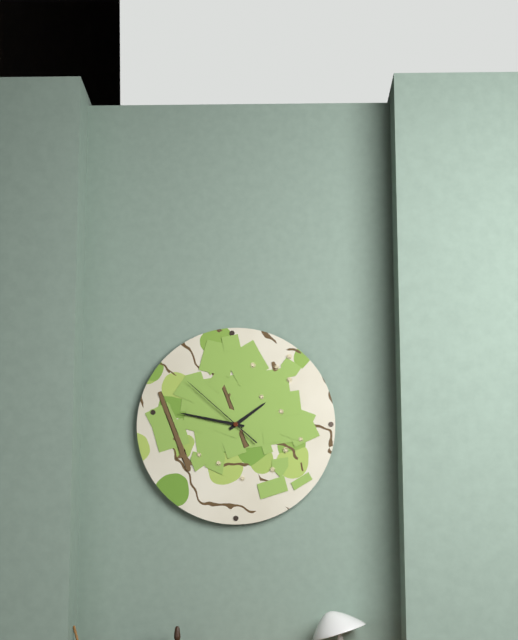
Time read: **1:47:52**
